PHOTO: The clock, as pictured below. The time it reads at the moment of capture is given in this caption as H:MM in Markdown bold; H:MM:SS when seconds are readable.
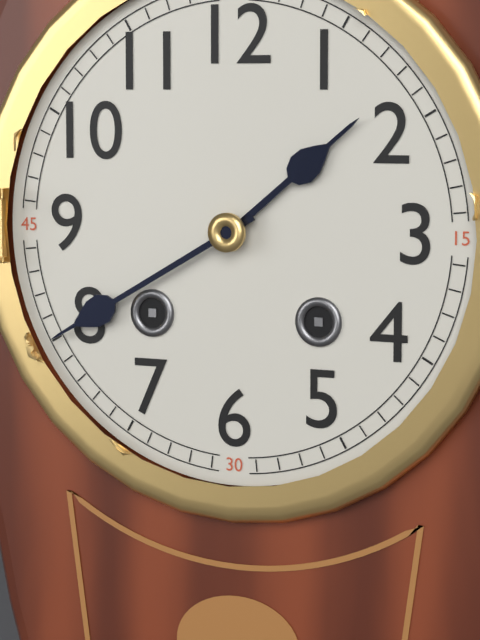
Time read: **1:40**
